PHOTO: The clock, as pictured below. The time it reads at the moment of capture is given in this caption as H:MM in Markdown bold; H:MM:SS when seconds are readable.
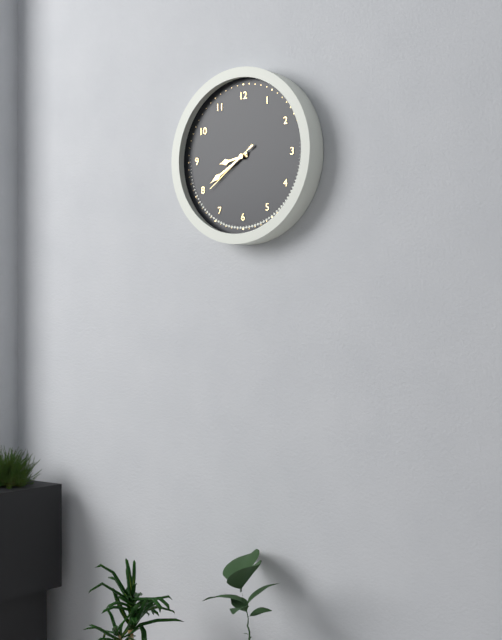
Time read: **8:40:39**
